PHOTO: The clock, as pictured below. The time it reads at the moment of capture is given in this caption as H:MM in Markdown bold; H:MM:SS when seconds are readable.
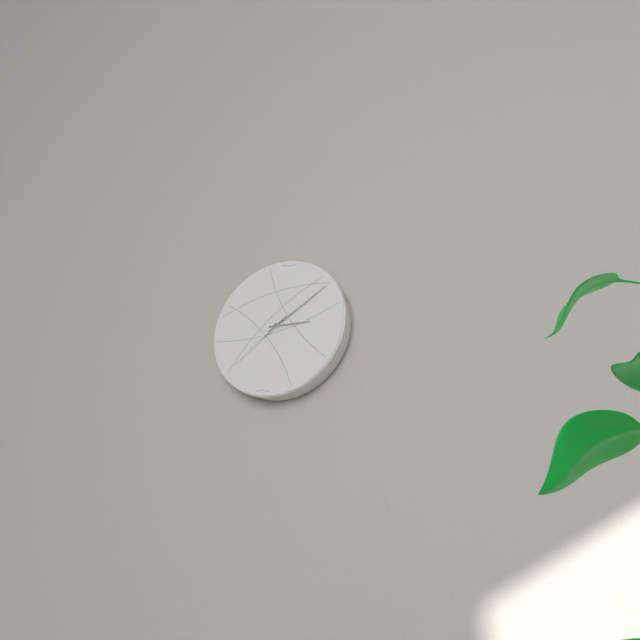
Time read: **3:10:39**
